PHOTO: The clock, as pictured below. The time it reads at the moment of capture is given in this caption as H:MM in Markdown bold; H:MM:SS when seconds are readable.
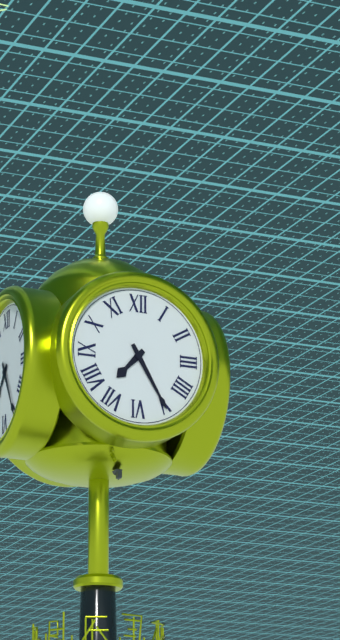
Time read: **7:25**
